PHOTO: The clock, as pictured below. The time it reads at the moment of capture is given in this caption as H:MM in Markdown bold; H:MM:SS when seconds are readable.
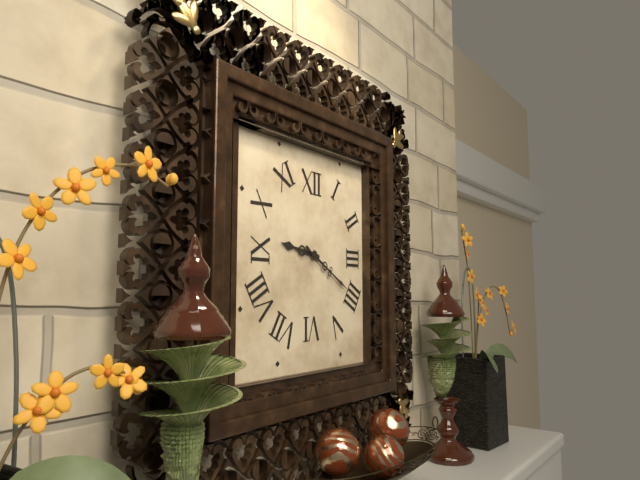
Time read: **9:20**
